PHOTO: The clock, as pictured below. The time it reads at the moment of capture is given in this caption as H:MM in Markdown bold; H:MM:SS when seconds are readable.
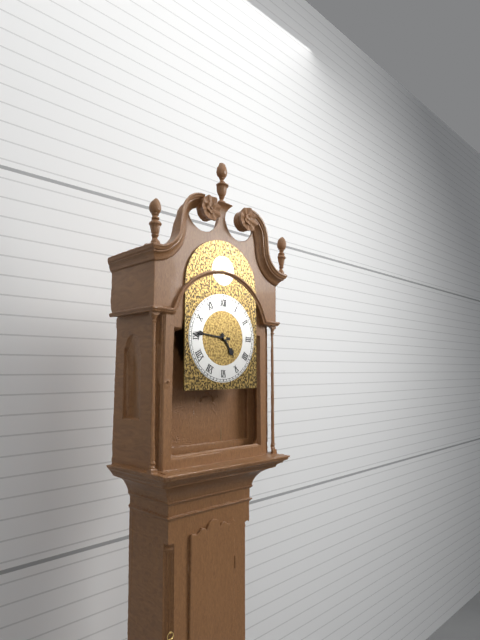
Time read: **4:46**
